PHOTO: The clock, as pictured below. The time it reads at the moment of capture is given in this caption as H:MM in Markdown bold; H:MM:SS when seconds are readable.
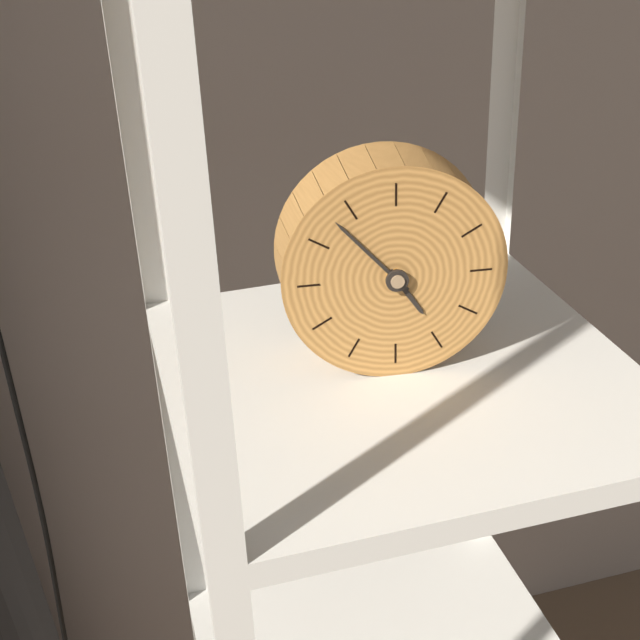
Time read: **4:53**
